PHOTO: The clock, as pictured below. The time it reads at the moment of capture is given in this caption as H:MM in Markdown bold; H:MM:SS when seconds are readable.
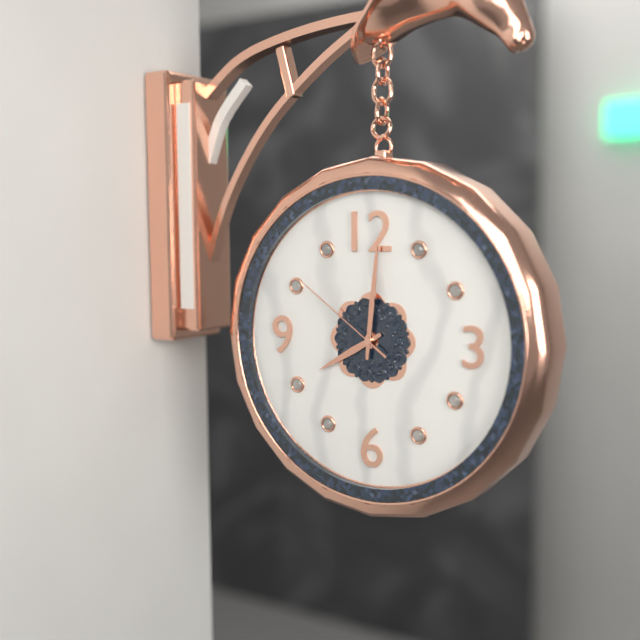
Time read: **8:01:51**
